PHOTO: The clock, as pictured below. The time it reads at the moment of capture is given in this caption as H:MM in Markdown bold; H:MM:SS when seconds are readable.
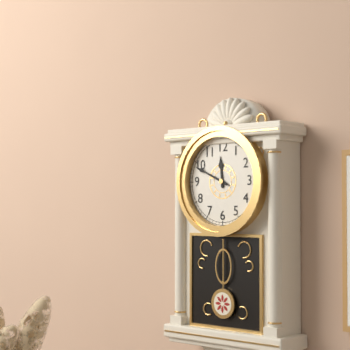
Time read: **11:49**
